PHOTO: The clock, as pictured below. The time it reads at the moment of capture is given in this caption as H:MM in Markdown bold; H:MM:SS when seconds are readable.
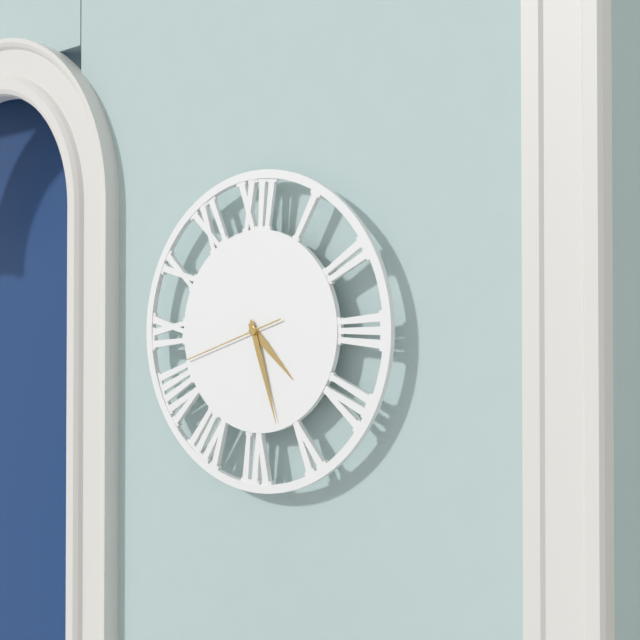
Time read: **4:27:42**
